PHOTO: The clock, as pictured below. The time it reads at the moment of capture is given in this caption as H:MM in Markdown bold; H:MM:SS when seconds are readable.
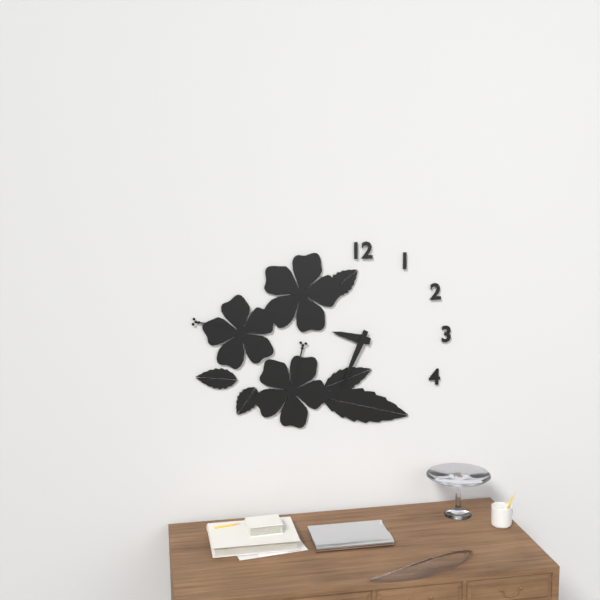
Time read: **9:34**
